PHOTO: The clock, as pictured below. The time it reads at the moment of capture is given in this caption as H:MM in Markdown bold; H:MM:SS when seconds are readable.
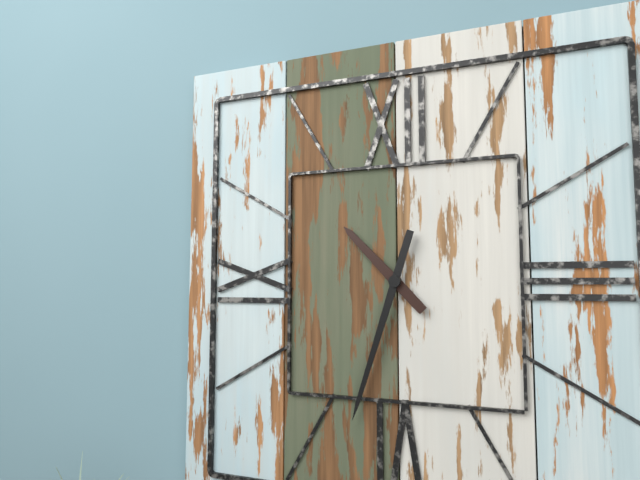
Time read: **10:33**
